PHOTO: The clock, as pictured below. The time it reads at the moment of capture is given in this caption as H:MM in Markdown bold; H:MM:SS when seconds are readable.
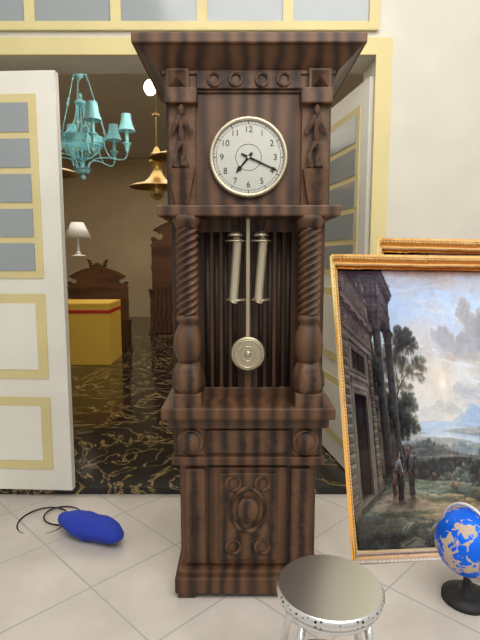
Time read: **7:19**
